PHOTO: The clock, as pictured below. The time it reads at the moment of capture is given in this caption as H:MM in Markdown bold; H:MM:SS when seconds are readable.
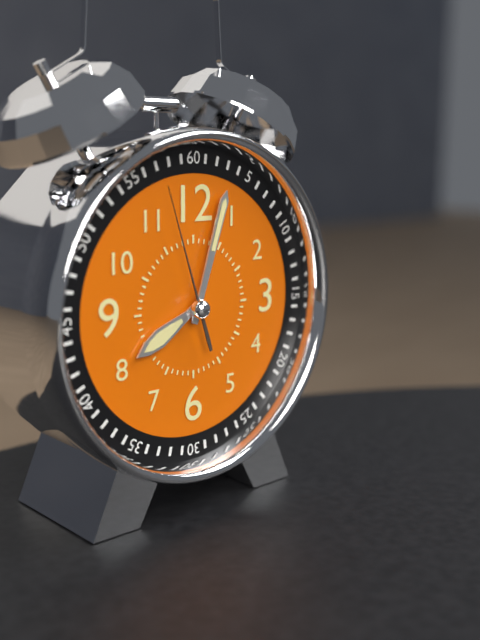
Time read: **8:03:57**
